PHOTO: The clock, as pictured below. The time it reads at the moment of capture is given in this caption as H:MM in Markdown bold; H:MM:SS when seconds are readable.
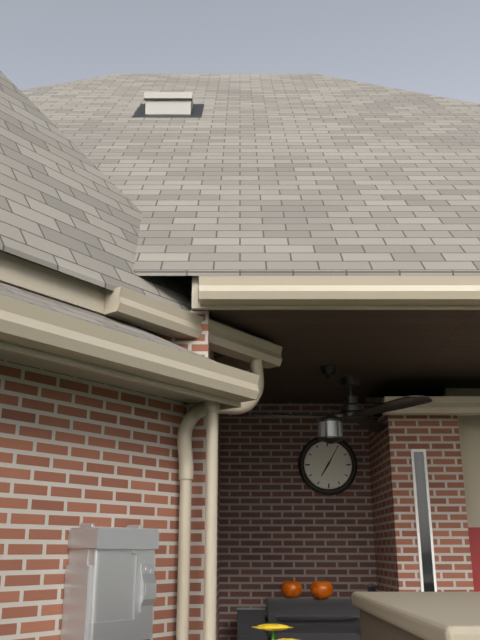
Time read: **7:05**
